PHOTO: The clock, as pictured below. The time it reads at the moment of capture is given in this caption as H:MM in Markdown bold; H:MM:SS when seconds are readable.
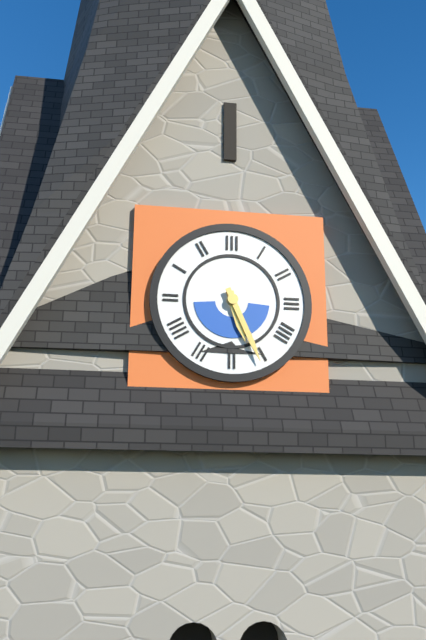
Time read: **5:26**
